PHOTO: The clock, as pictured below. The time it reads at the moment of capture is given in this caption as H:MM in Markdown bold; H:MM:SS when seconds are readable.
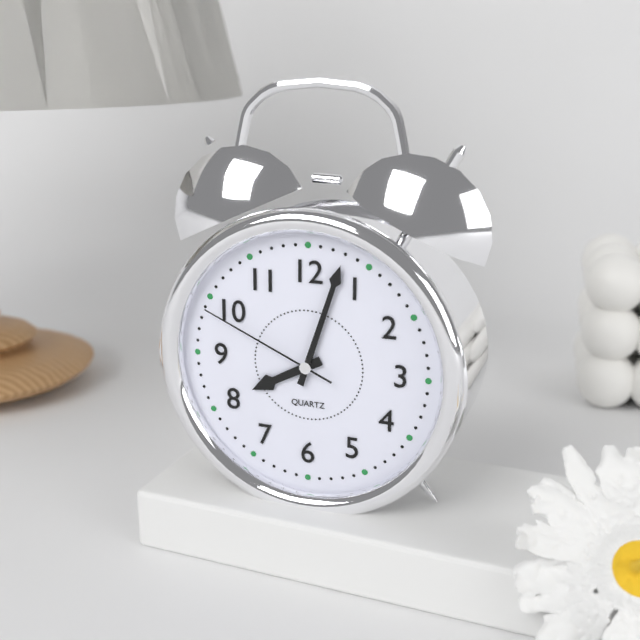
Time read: **8:03:49**
